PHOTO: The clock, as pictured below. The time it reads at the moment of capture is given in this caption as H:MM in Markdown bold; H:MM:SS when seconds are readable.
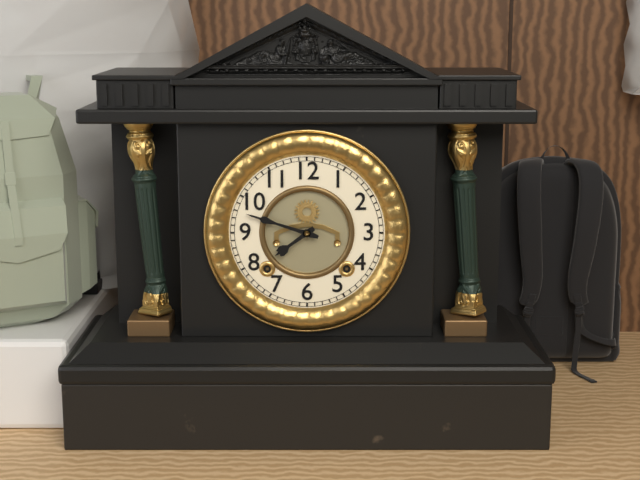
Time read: **7:48**
